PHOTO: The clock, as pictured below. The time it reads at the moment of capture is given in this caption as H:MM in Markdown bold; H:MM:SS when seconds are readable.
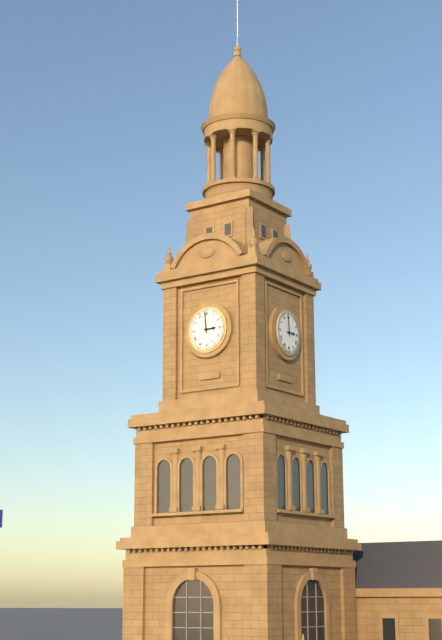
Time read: **2:59**
